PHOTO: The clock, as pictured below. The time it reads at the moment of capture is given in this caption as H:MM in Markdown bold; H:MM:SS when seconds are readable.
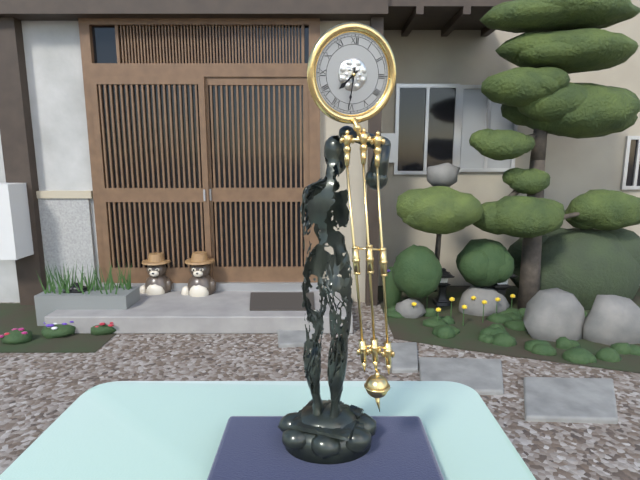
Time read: **7:31**
